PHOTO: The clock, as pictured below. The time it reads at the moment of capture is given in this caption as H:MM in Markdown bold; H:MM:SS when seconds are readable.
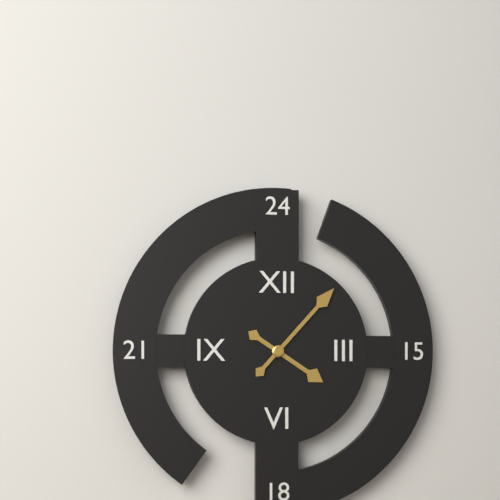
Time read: **4:07**
